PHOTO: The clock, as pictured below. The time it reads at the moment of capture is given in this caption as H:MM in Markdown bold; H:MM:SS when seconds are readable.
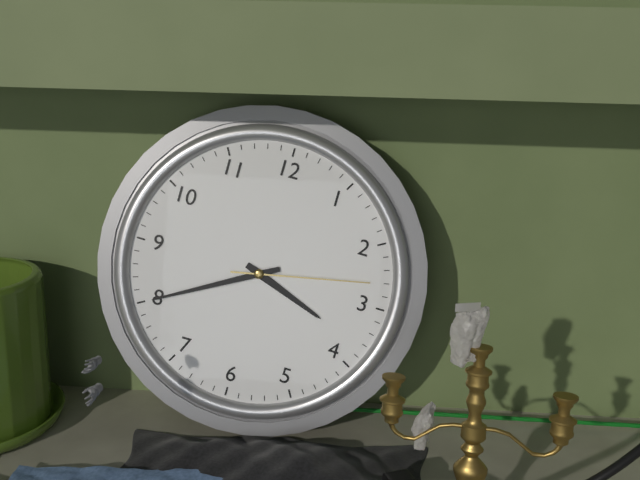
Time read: **3:40:13**
